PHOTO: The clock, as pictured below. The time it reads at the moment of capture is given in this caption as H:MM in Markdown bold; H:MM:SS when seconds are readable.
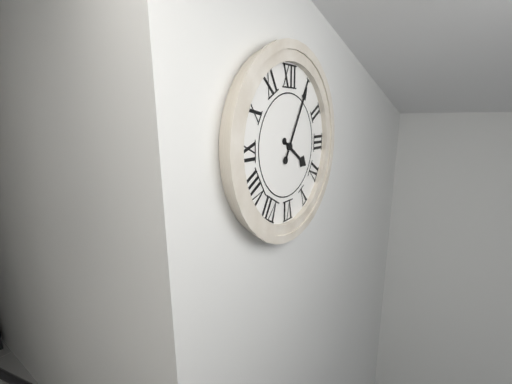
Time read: **4:05**
